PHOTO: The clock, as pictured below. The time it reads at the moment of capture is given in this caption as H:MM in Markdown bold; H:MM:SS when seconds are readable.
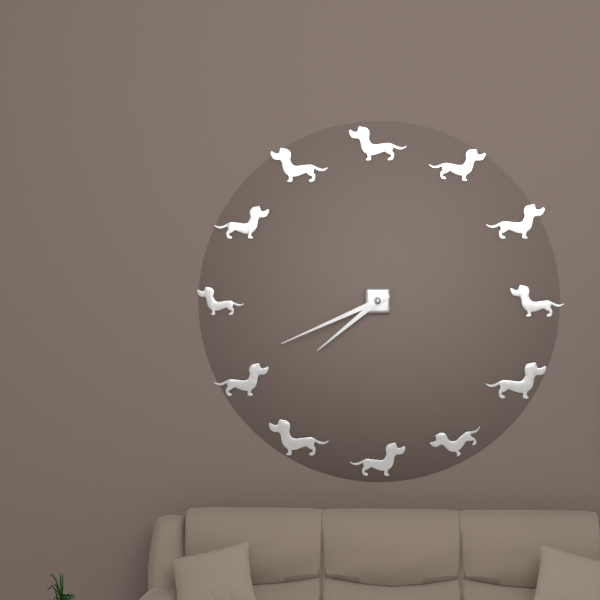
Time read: **7:41**
